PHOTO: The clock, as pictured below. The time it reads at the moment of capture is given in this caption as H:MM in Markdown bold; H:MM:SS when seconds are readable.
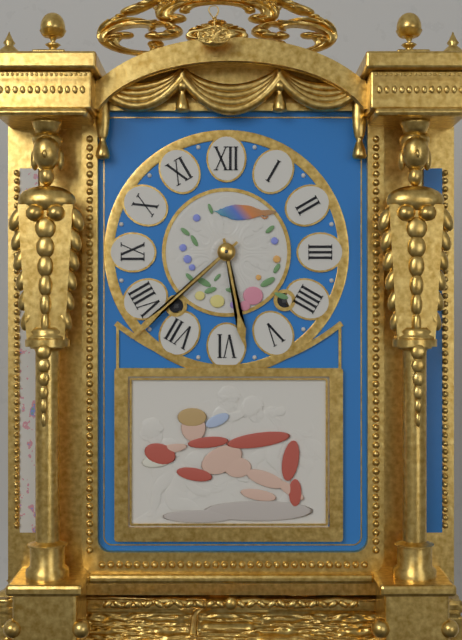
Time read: **5:38**
